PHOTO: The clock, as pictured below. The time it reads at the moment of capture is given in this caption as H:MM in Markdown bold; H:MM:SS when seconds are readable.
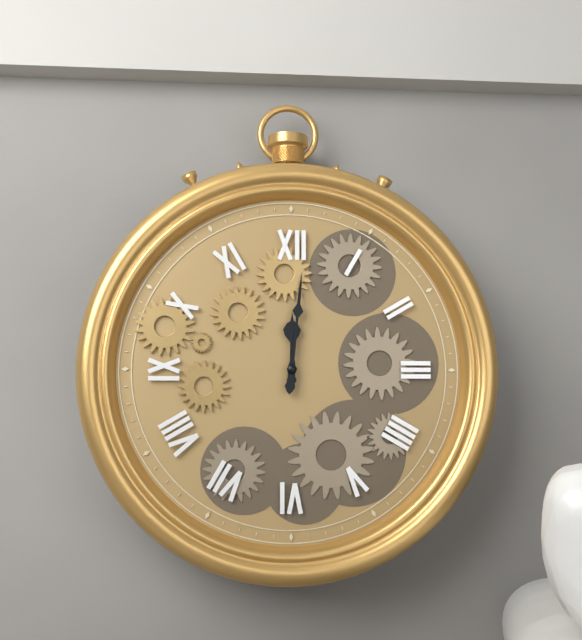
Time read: **12:01**
